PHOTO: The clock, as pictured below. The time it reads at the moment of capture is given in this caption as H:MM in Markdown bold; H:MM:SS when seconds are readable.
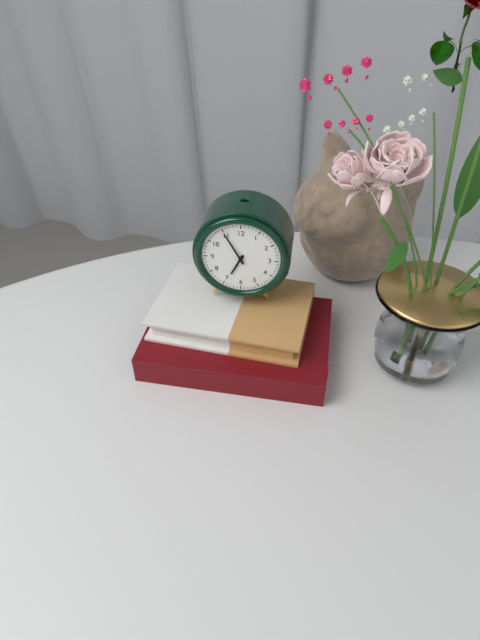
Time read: **6:55**
